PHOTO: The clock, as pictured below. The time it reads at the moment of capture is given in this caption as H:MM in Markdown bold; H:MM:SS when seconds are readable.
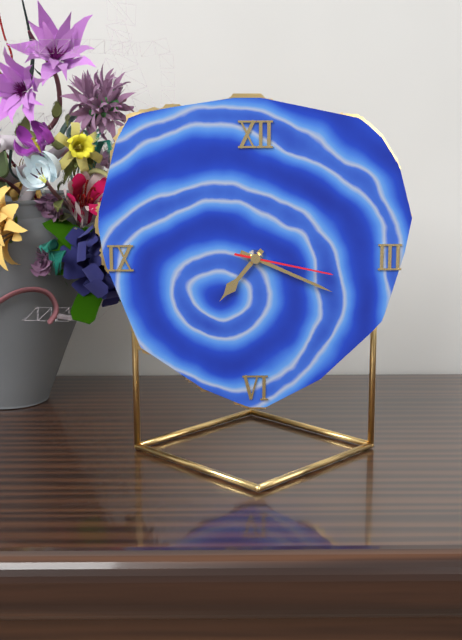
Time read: **7:19:17**
